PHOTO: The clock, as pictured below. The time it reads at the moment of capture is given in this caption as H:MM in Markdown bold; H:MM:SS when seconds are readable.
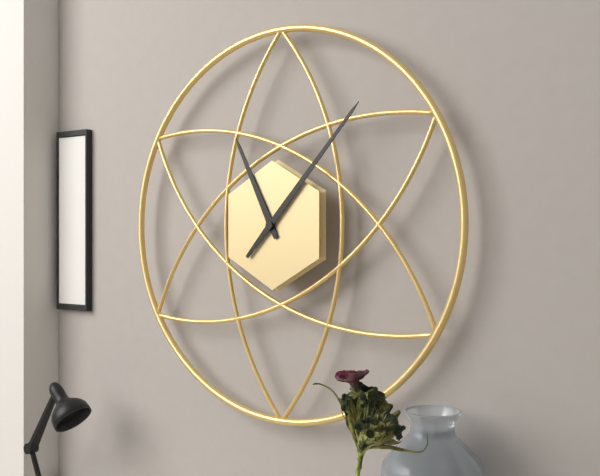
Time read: **11:07**
